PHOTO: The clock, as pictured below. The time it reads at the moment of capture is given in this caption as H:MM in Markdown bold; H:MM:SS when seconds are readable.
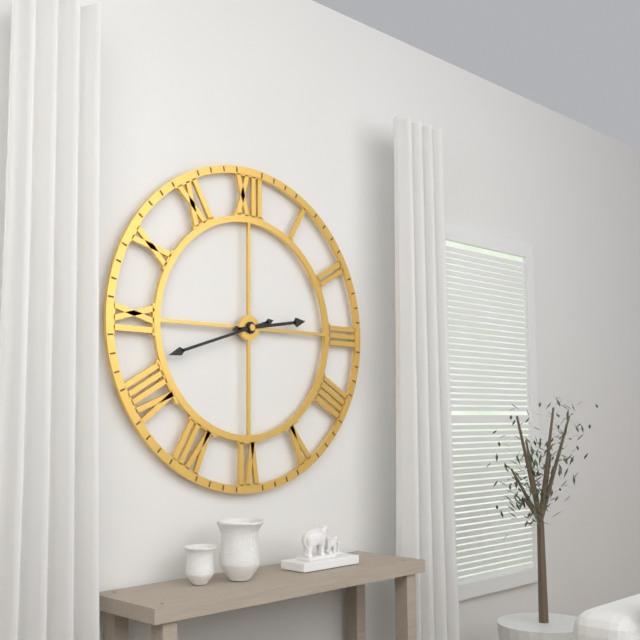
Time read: **2:42**
